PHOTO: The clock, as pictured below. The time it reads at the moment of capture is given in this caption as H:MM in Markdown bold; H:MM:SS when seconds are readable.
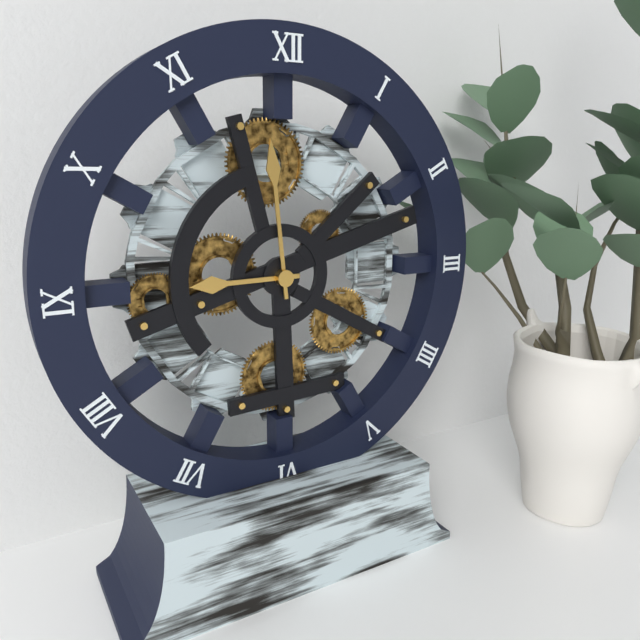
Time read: **8:59**
